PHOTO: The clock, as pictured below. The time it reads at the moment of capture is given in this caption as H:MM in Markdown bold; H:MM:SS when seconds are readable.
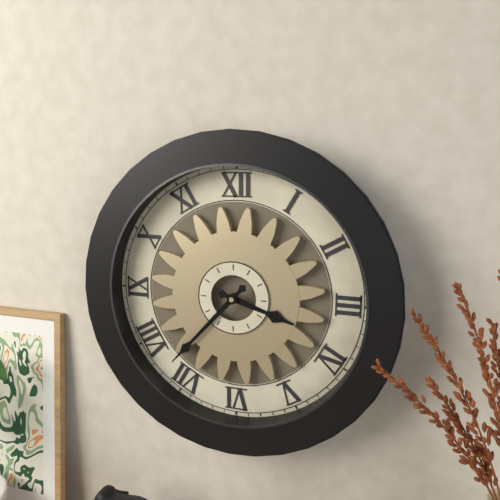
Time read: **3:37**
